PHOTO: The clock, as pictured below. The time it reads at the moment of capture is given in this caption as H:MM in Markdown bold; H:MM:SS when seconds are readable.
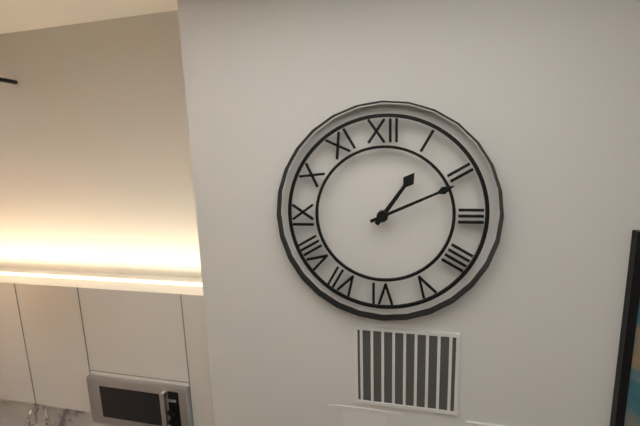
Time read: **1:11**
